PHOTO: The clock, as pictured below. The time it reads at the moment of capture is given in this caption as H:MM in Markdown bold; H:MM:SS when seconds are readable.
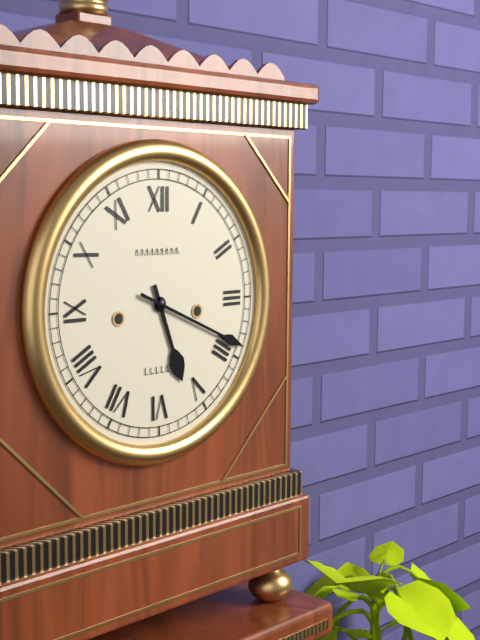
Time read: **5:19**
